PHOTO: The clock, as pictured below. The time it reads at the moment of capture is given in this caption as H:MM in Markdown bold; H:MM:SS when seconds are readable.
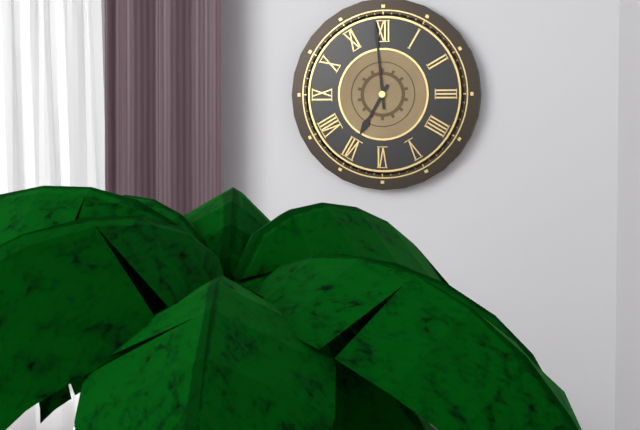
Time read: **6:59**
